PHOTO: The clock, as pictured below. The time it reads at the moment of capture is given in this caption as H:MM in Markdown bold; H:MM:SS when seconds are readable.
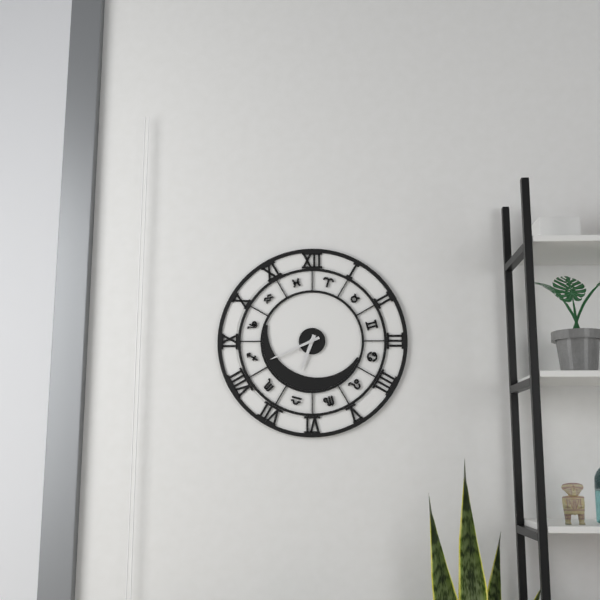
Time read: **6:41**
